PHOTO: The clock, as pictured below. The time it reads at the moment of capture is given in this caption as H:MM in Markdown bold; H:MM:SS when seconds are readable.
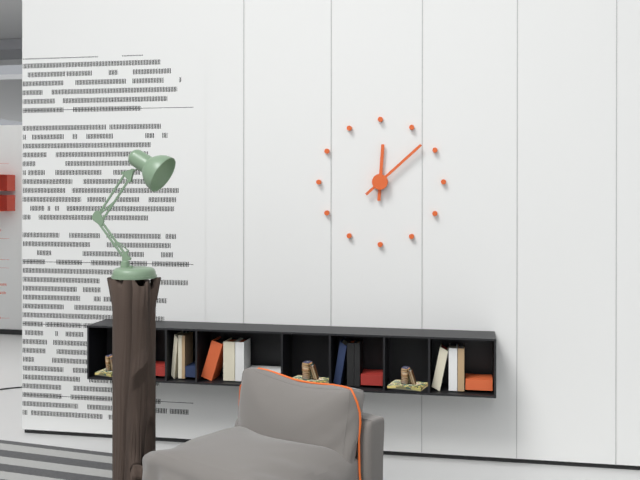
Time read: **12:08**
